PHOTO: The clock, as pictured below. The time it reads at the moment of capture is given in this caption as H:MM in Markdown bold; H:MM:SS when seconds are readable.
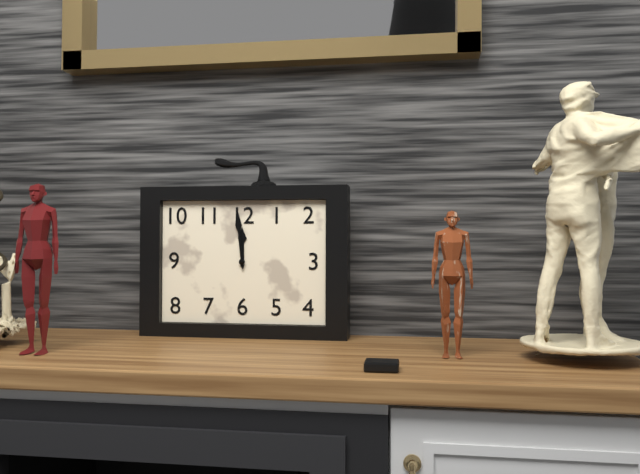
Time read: **11:59**
